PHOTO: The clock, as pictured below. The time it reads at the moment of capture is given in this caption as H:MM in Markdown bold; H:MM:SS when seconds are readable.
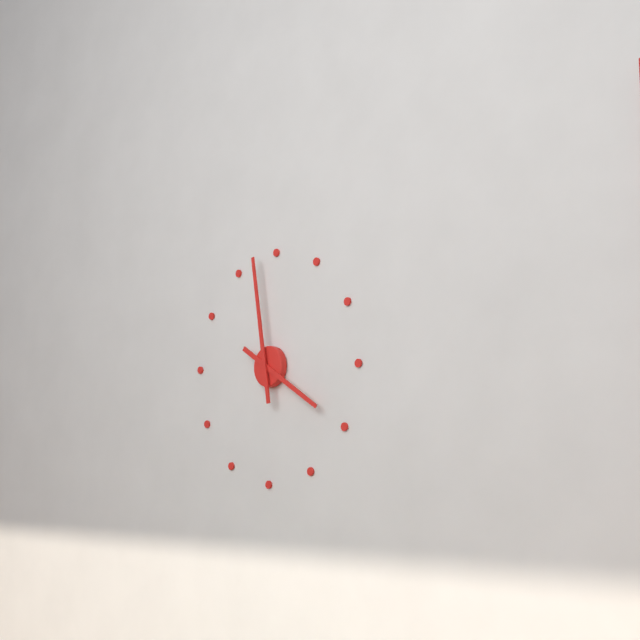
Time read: **3:58**
